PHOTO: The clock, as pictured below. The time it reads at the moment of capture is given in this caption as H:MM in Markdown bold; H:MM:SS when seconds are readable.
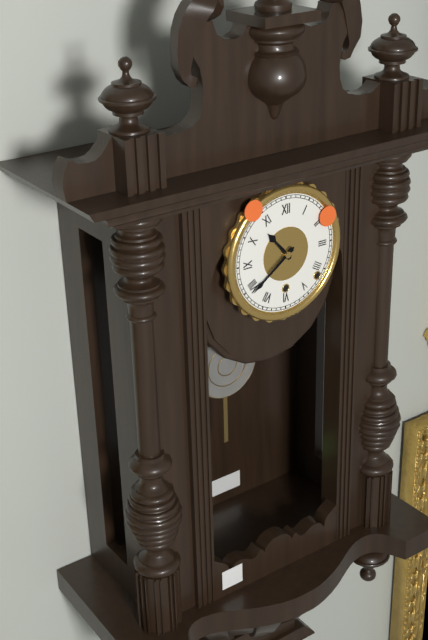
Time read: **10:39**
